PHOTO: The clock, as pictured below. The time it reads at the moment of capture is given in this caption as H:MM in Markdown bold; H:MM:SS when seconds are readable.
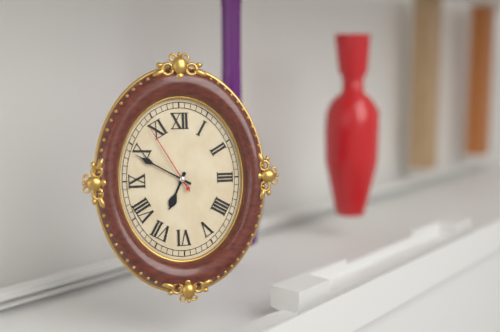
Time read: **6:50:55**
